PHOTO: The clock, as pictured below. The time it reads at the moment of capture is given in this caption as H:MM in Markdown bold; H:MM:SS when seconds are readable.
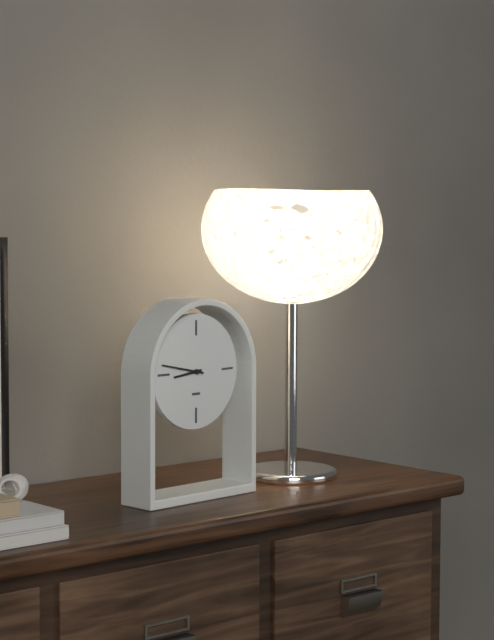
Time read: **8:47**
